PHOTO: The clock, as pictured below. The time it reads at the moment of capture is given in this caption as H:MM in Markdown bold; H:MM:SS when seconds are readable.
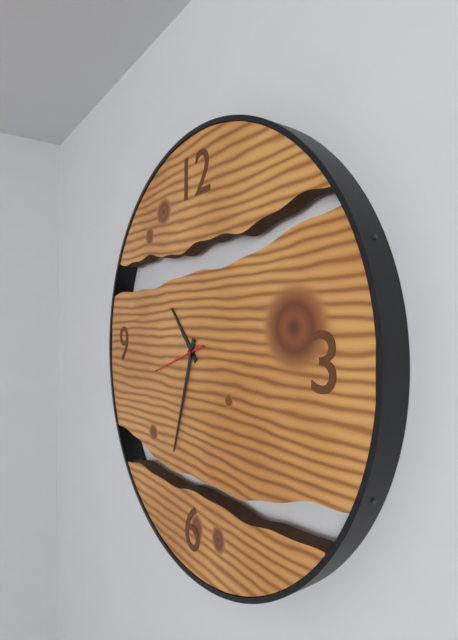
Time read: **10:33:42**
